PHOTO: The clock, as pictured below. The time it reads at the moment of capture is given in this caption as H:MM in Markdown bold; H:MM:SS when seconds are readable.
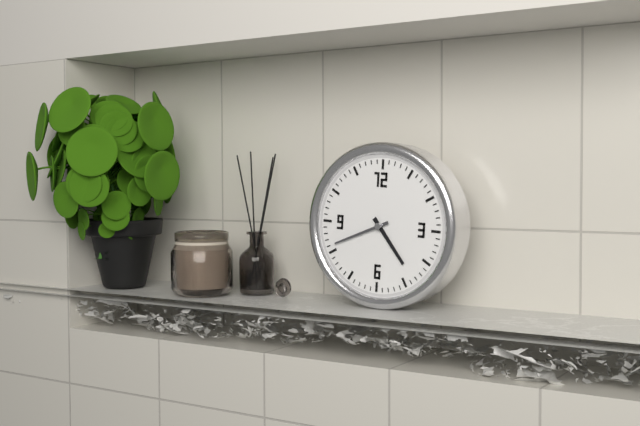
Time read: **4:41**
